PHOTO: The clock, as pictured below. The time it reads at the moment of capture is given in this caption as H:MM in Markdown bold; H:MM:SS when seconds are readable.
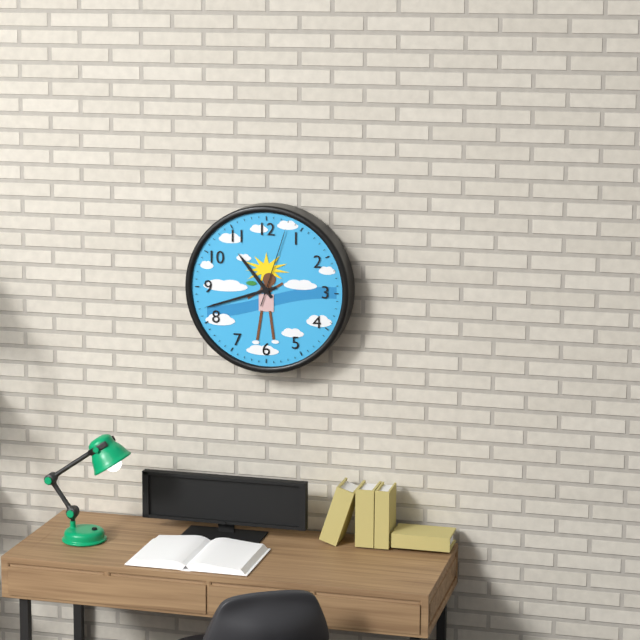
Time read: **10:42:03**
